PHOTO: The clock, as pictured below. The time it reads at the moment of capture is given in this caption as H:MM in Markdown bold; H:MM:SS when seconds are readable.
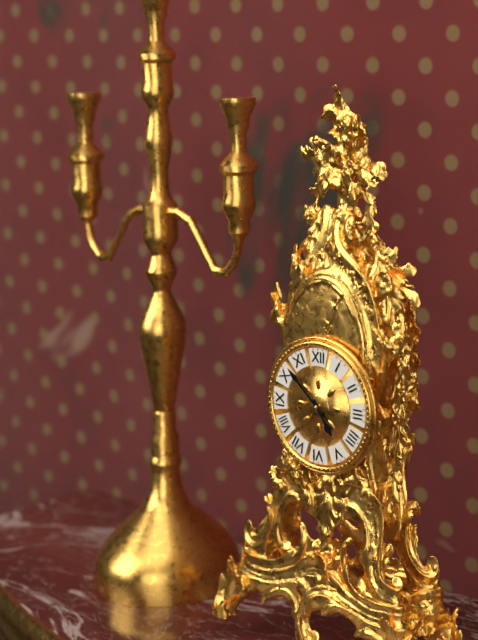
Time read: **4:52**
